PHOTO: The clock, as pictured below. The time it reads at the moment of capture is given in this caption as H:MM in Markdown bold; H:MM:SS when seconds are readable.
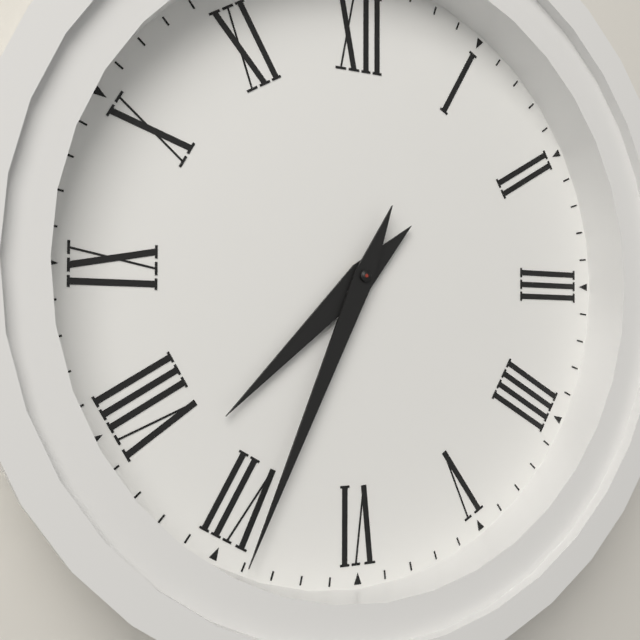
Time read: **7:34**
